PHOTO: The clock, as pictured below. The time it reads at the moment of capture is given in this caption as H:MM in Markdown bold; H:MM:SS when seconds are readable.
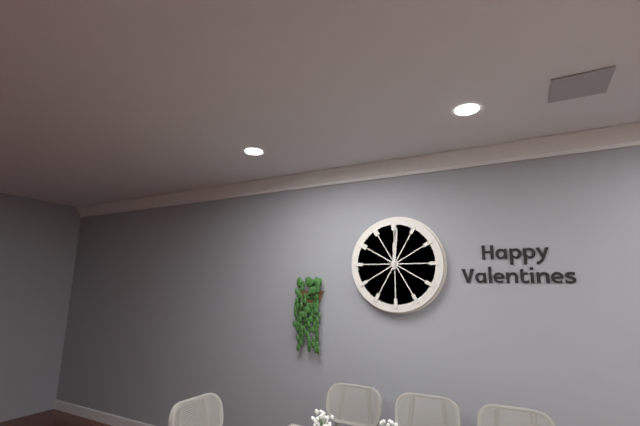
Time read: **12:01**
